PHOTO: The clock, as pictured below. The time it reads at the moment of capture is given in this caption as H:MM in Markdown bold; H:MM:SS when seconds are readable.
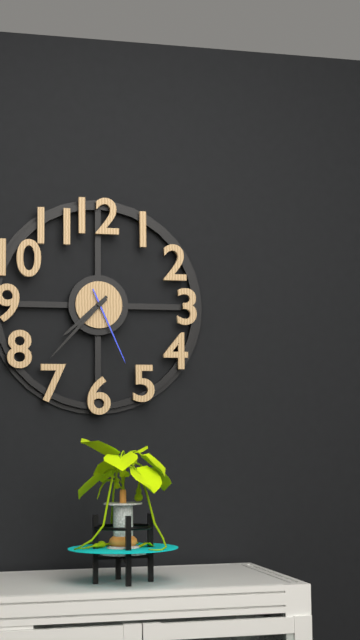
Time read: **7:37:26**
